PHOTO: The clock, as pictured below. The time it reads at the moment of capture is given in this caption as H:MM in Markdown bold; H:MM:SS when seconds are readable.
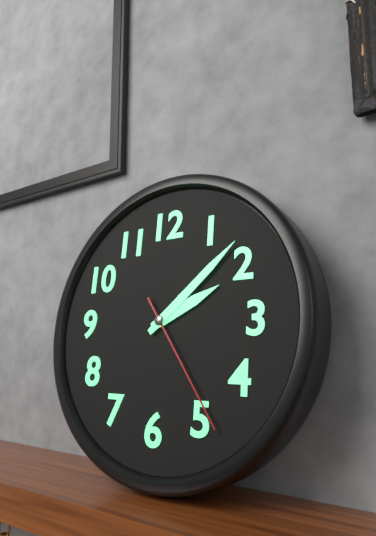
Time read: **2:08:24**
